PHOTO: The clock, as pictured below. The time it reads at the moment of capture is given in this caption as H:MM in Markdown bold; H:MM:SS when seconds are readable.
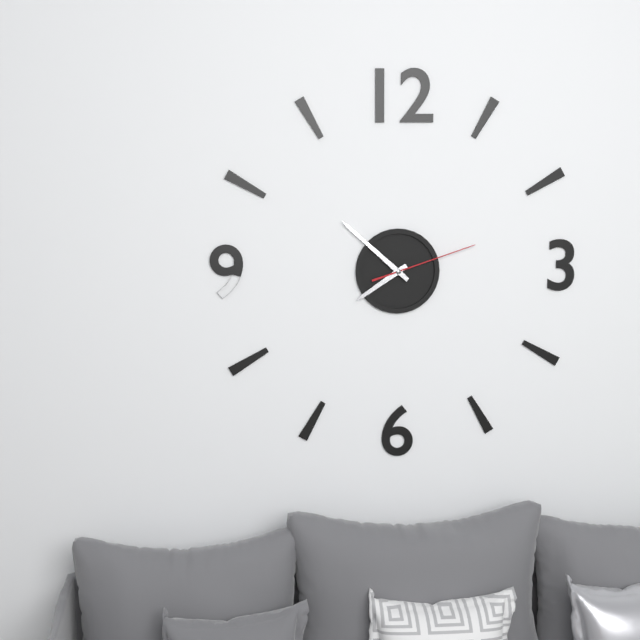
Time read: **7:52:12**
